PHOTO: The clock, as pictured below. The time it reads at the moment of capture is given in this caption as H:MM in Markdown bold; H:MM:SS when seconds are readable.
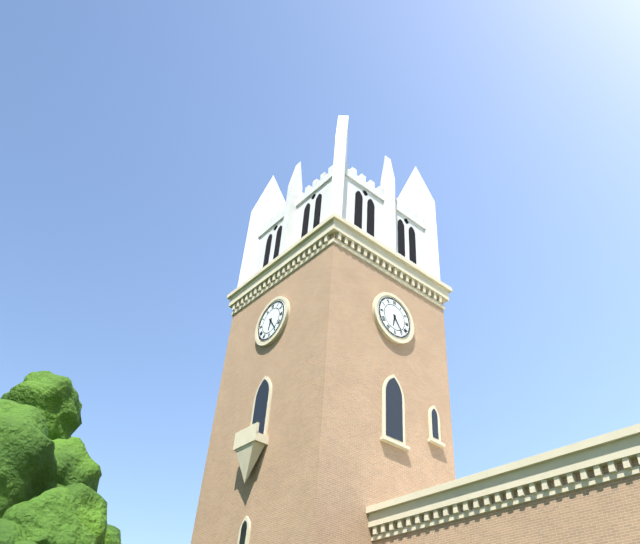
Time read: **6:24**
